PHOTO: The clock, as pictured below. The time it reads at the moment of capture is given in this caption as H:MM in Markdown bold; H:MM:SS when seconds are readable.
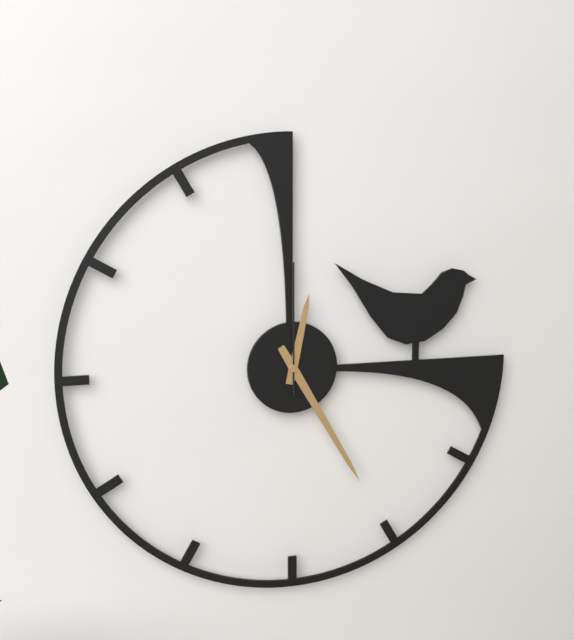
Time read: **12:25:00**
